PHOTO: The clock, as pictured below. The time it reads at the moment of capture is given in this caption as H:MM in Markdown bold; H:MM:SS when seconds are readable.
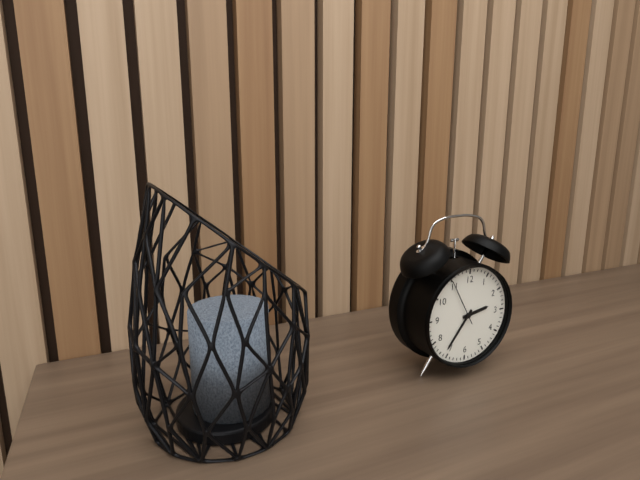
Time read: **2:36**
